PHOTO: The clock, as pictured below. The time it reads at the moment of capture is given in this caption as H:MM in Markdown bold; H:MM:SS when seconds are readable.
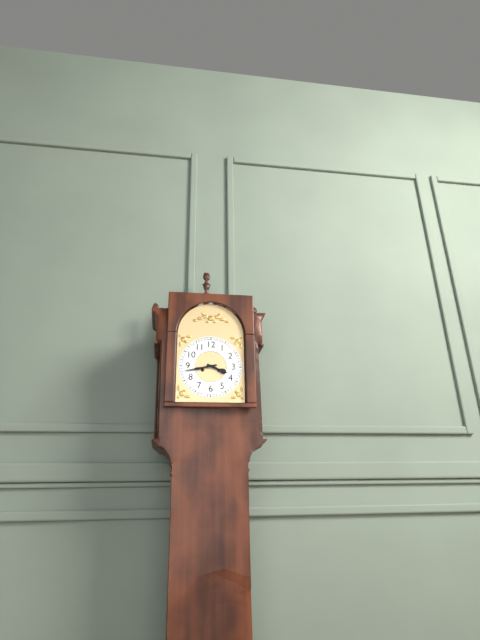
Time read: **3:43**
